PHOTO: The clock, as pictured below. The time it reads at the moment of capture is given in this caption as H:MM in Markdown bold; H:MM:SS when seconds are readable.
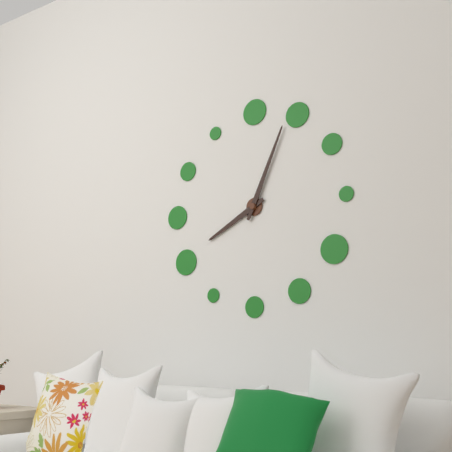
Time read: **8:04**
